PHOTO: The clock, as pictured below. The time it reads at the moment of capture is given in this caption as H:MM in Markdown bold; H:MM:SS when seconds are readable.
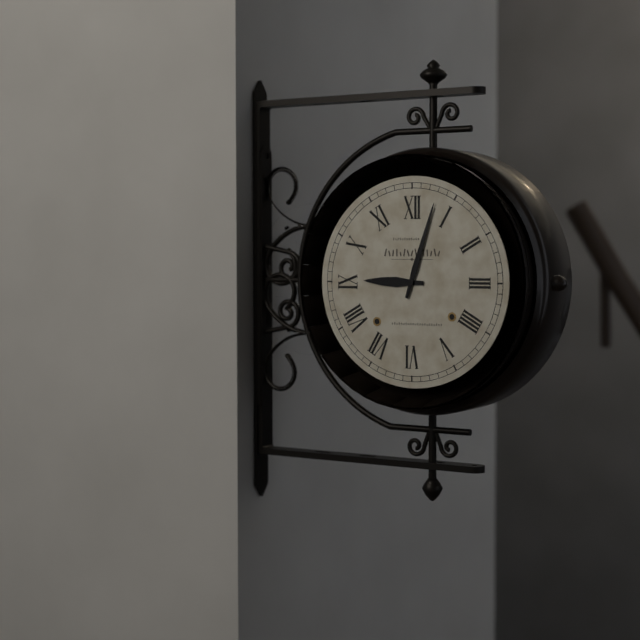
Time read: **9:03**
